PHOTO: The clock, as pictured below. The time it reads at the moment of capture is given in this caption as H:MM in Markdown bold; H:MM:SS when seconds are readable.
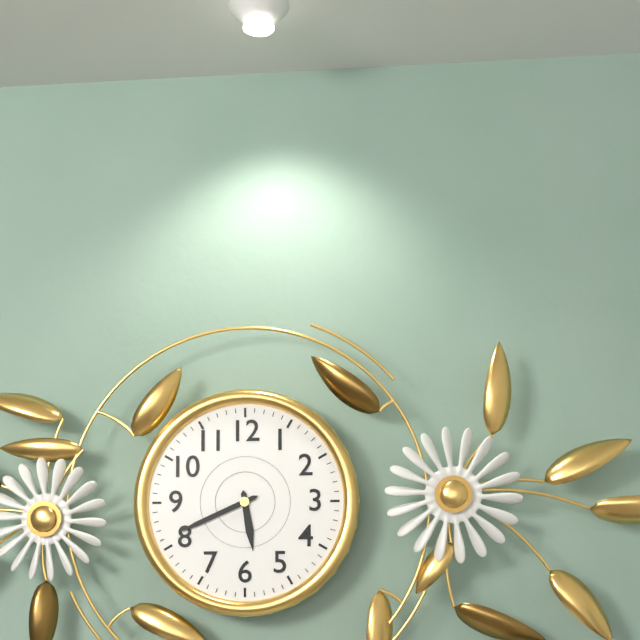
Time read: **5:41**
